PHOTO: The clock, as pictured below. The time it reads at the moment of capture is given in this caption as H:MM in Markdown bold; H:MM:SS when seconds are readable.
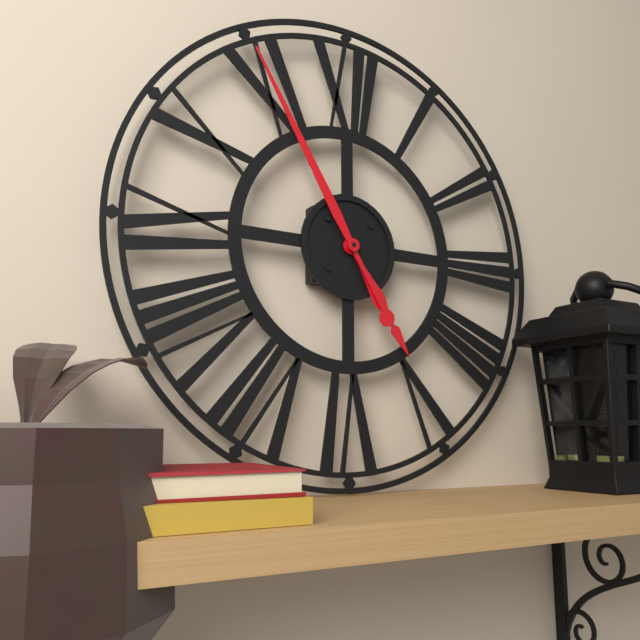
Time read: **4:55**
